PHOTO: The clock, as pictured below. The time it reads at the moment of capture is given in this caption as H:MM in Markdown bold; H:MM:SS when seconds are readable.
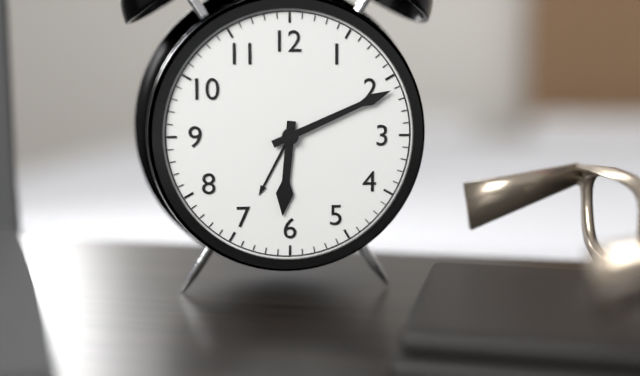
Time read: **6:11**
